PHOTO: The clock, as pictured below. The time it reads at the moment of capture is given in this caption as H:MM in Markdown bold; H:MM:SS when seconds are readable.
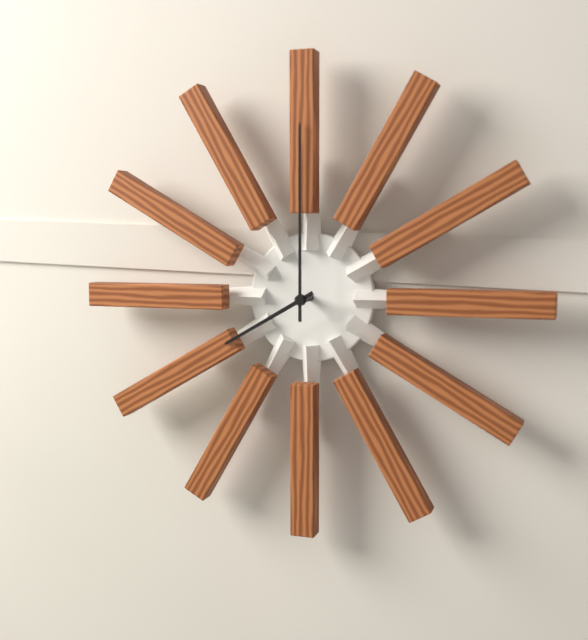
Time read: **8:00**
